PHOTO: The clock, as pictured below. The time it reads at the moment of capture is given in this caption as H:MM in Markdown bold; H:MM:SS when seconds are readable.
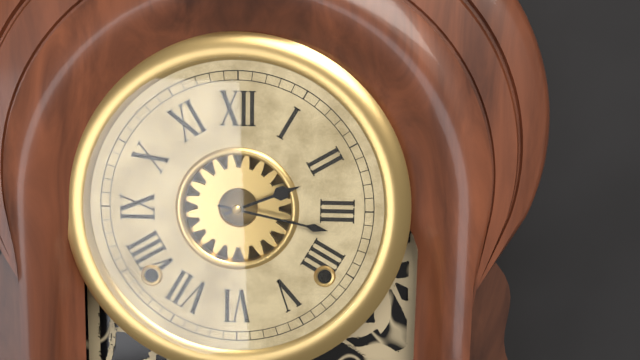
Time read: **2:17**
